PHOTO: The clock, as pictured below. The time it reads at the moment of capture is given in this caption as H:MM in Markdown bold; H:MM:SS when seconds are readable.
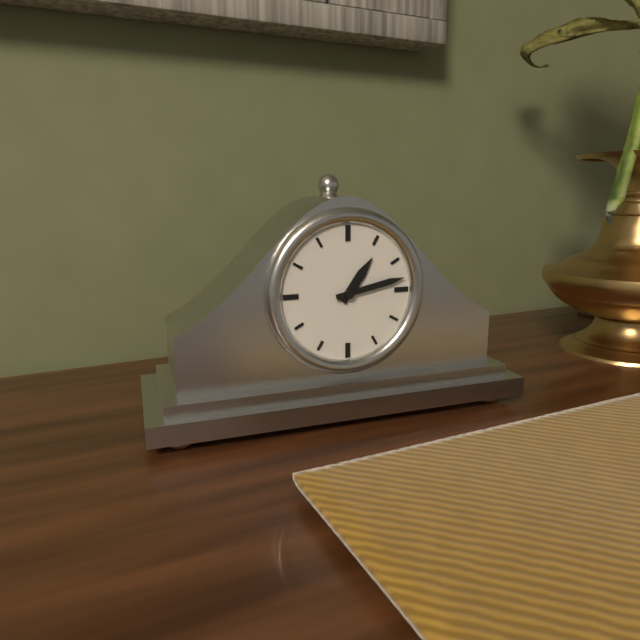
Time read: **1:13**
